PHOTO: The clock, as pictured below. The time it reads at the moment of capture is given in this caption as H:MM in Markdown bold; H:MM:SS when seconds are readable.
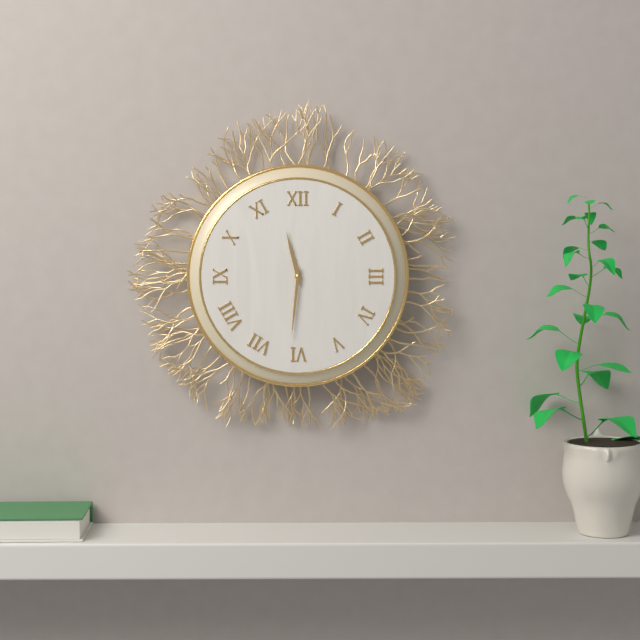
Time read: **11:31**
